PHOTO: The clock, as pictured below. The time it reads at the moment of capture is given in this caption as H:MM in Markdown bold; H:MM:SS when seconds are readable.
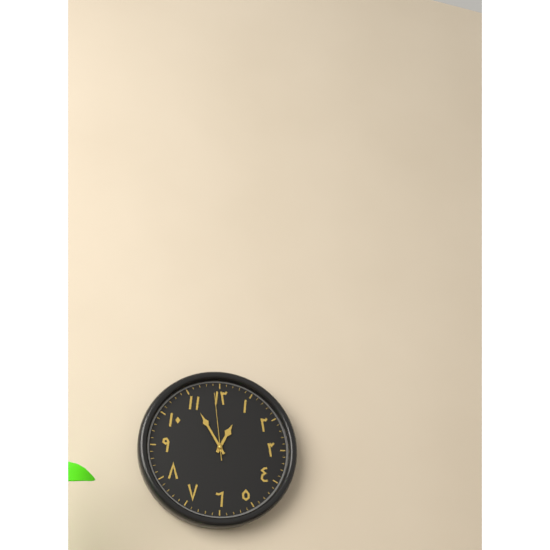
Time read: **12:55:59**
